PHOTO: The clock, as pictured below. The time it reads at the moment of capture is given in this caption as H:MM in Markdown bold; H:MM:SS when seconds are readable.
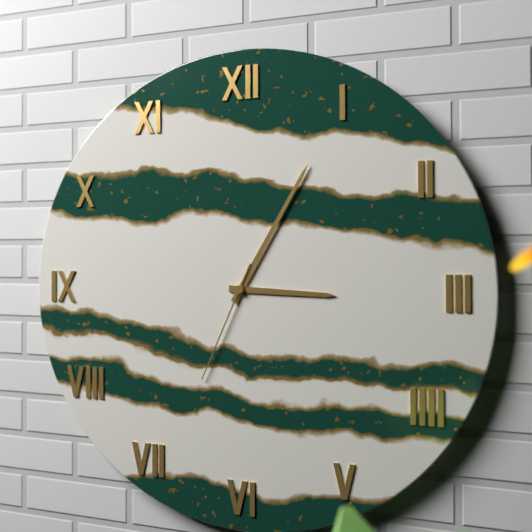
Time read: **3:05:34**
